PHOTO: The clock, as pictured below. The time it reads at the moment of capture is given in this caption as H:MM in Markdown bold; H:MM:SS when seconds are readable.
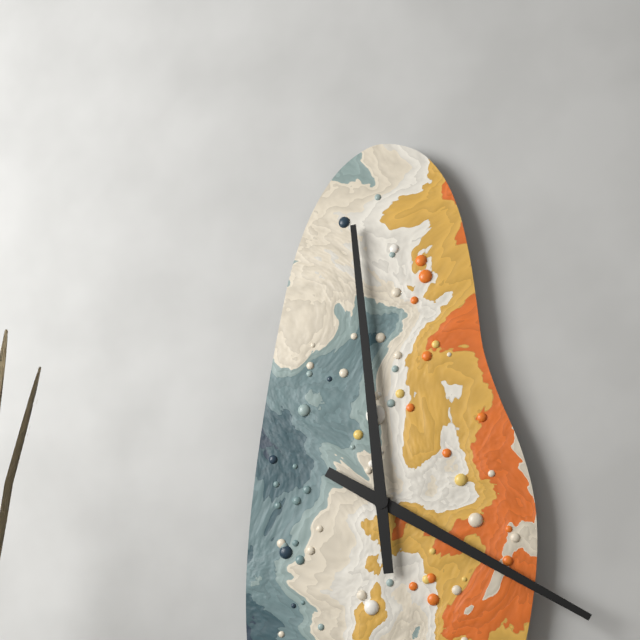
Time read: **3:59**
